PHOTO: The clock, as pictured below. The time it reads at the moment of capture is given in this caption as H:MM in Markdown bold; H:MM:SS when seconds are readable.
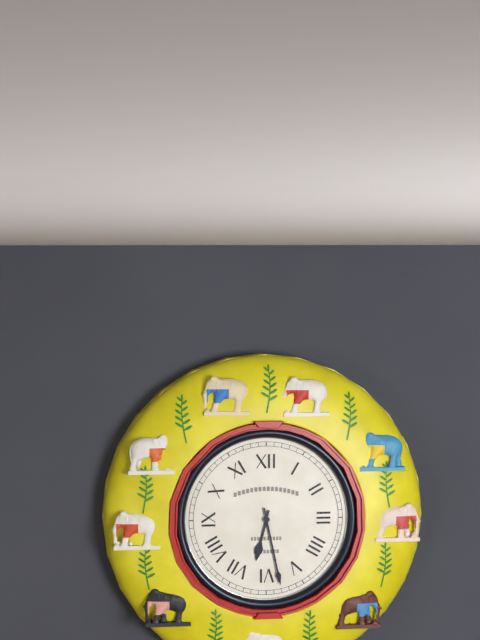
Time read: **6:28**
